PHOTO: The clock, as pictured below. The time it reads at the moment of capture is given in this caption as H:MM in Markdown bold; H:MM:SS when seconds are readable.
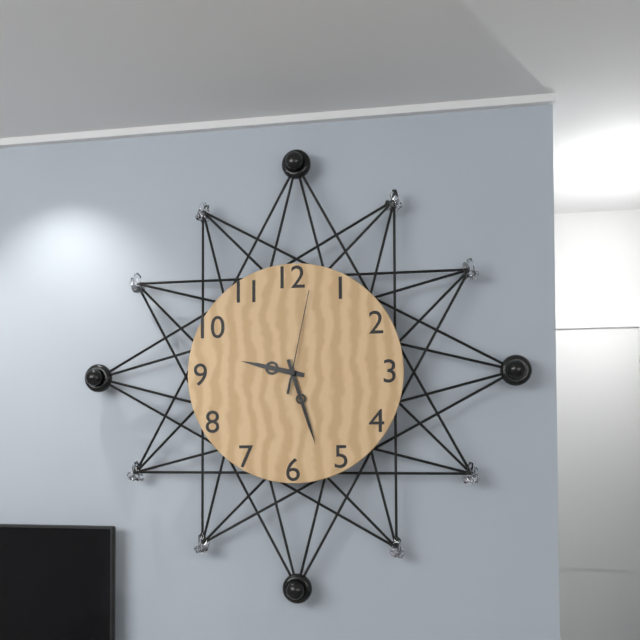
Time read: **9:27:02**
